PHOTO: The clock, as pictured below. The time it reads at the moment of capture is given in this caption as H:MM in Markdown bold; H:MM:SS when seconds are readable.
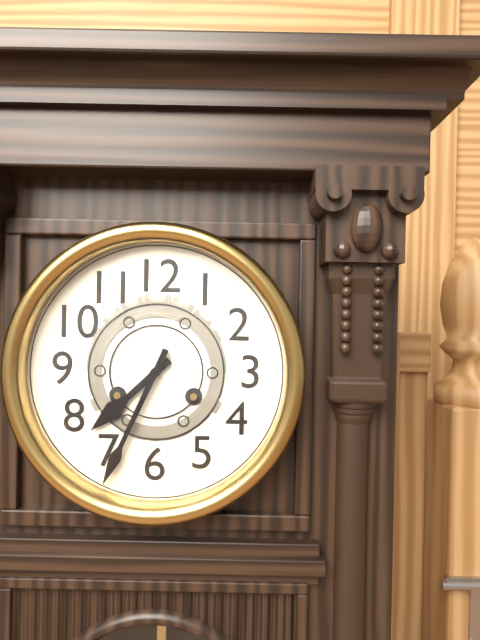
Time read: **7:34**
